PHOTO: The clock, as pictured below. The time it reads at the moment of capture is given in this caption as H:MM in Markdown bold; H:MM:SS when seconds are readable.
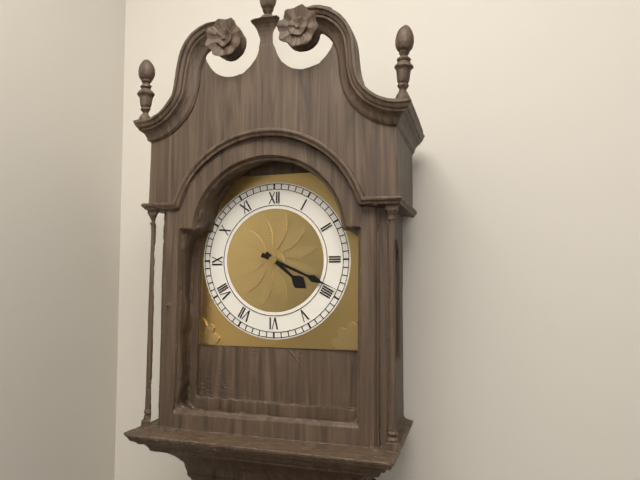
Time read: **4:19**
